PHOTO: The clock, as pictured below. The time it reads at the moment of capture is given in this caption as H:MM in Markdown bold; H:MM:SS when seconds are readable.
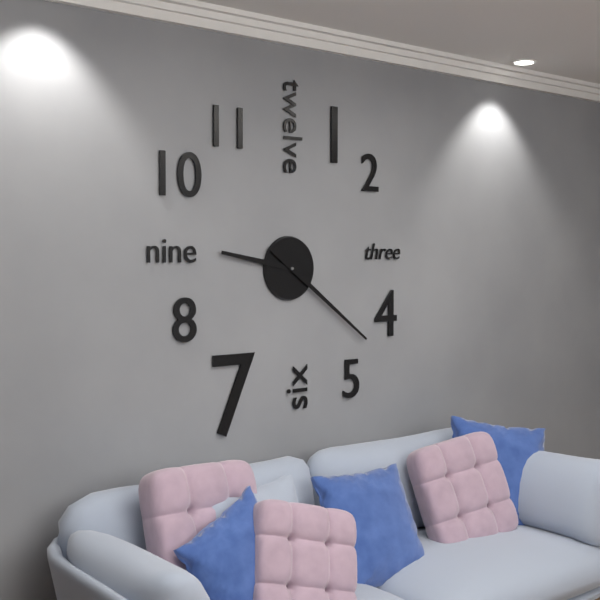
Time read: **9:21**
